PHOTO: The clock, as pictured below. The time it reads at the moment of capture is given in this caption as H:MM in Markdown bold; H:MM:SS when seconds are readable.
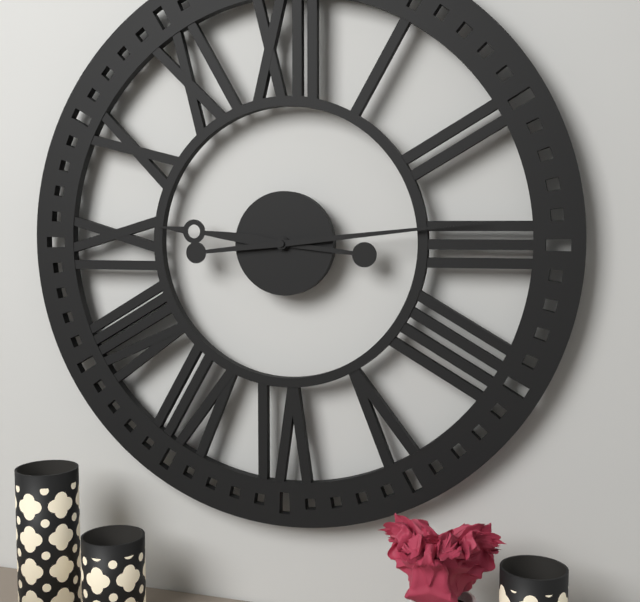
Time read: **9:14**
